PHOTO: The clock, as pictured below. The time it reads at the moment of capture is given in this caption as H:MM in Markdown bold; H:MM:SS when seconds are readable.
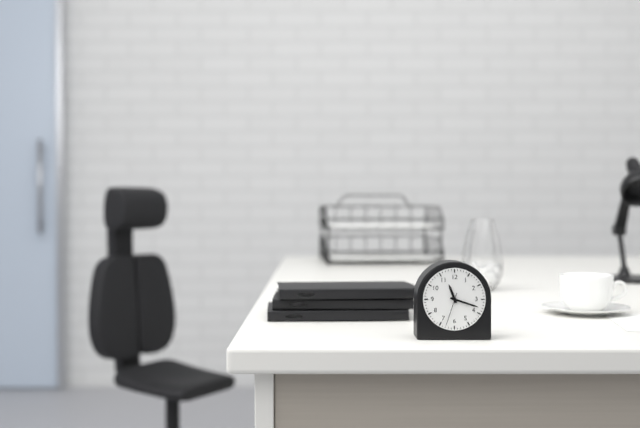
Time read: **11:18**
